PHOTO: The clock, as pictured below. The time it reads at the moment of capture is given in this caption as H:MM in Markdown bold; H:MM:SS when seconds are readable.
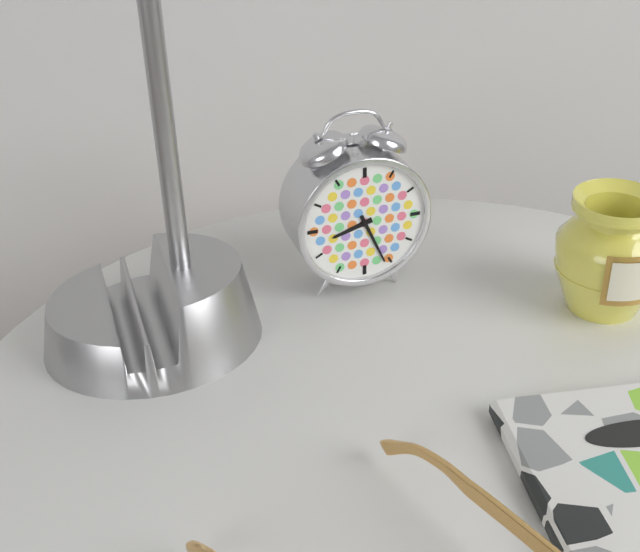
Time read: **8:26**
